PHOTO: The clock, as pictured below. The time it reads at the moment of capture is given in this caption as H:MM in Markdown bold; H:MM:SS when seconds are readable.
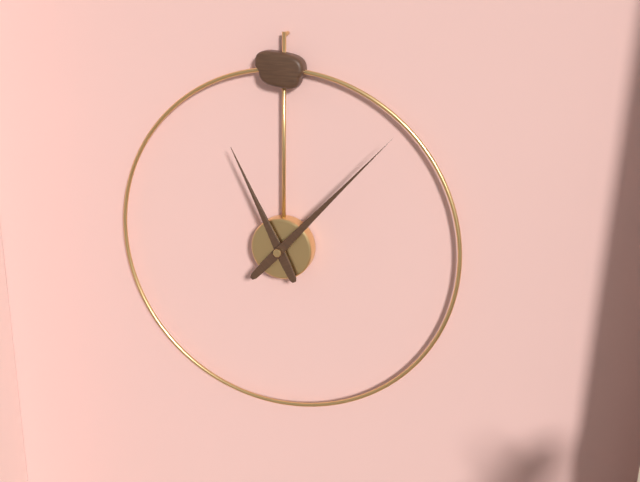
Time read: **11:07**
